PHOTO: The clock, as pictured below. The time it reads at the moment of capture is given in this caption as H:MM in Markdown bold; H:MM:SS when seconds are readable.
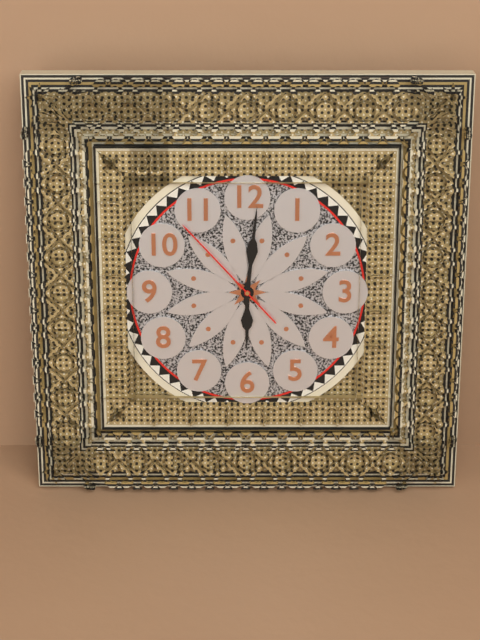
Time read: **6:01:53**
